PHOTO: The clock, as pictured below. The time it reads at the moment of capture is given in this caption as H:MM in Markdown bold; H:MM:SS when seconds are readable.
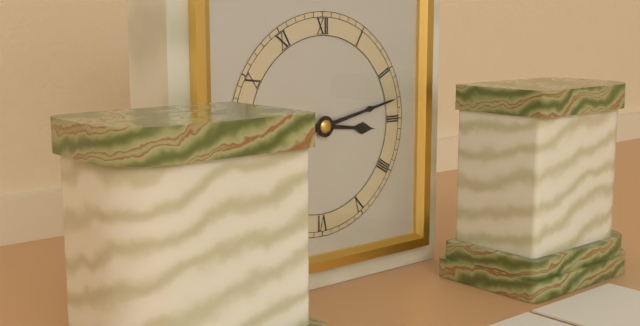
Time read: **3:13**
